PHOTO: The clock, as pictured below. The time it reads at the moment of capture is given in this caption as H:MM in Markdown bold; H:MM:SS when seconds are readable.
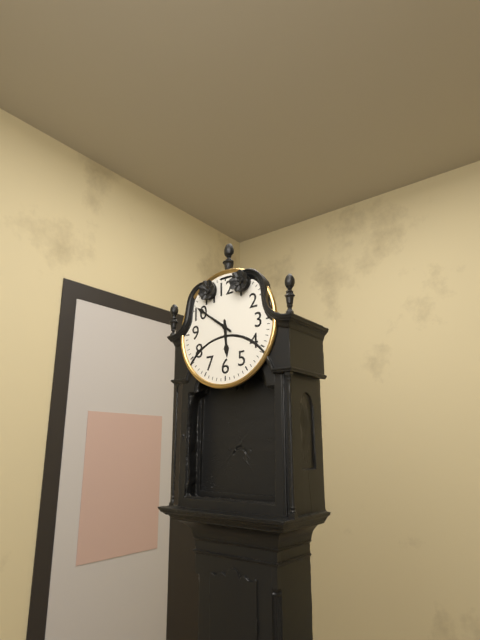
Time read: **5:51**
